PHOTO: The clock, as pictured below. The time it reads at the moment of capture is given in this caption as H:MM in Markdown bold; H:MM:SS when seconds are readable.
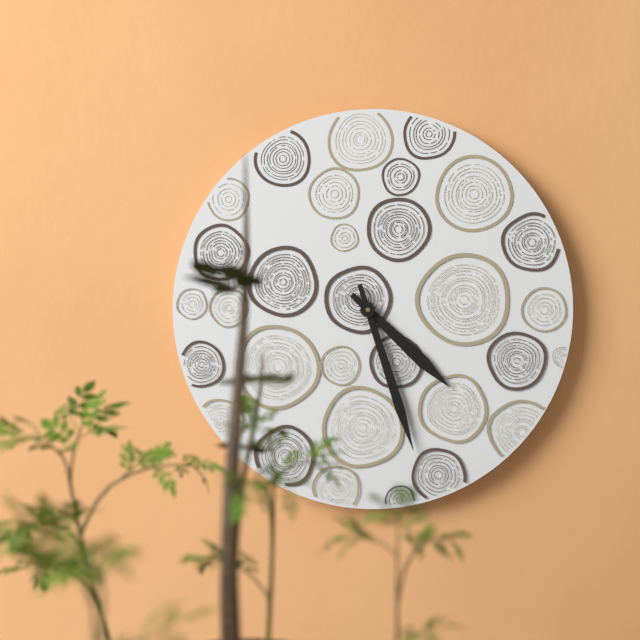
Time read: **4:27**
